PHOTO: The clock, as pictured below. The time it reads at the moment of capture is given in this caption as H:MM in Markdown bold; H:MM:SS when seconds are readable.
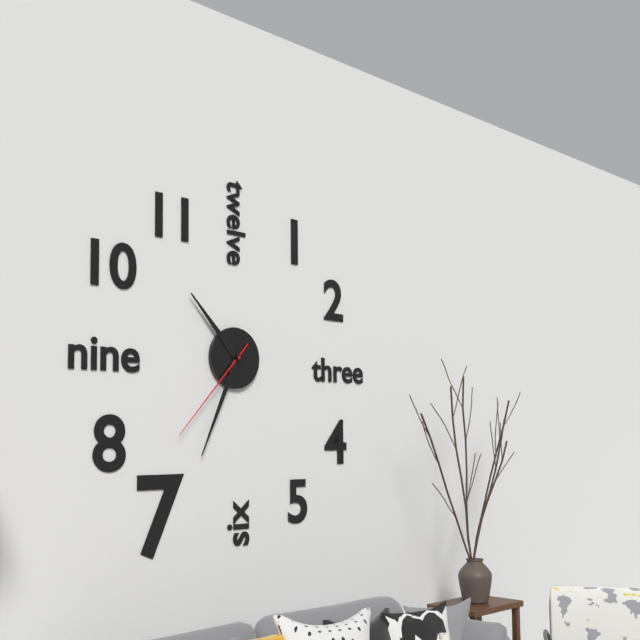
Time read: **10:34:37**
